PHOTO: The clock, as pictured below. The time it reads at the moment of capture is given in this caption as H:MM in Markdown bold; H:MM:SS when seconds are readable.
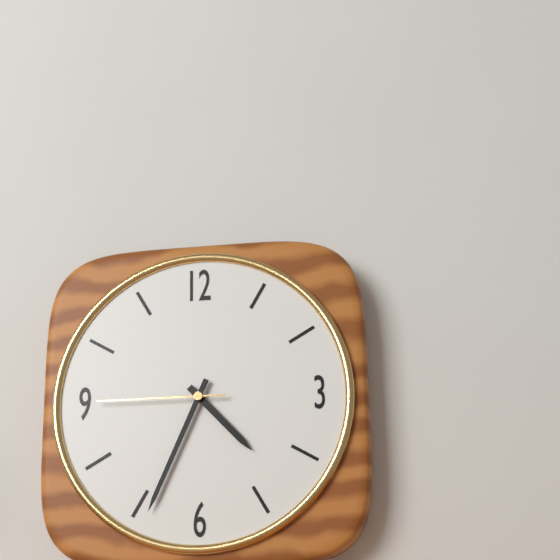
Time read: **4:34:45**
